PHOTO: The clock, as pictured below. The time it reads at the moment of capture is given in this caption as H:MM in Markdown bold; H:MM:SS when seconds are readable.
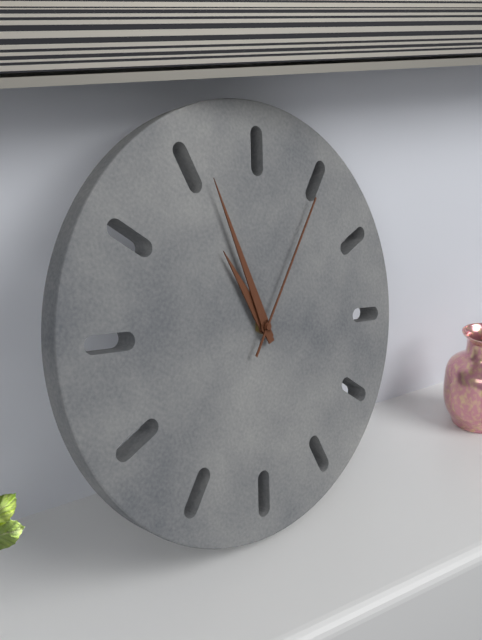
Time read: **9:51:00**
